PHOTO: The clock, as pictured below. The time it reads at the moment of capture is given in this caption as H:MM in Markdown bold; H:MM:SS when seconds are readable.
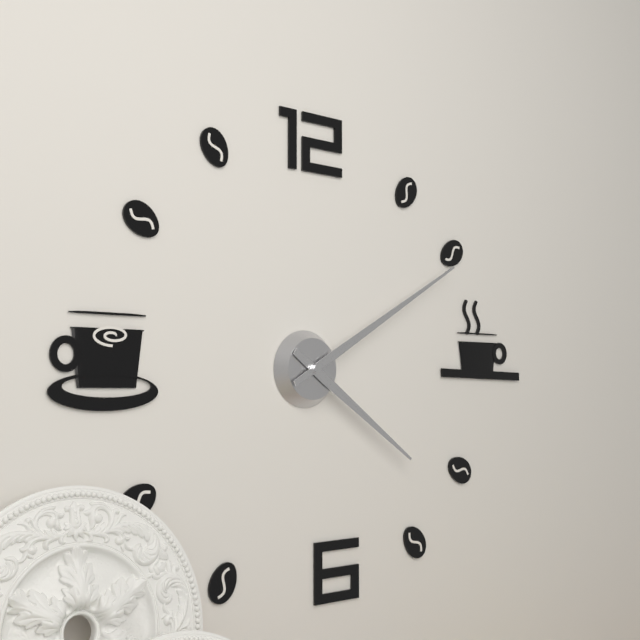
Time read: **4:10**
